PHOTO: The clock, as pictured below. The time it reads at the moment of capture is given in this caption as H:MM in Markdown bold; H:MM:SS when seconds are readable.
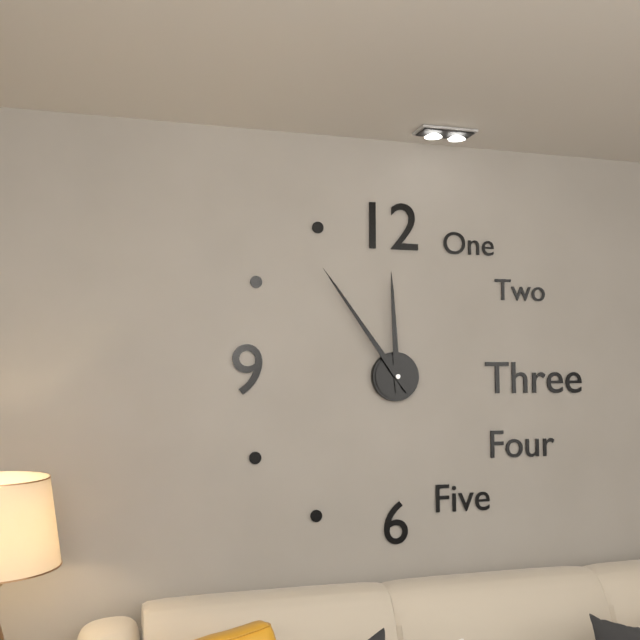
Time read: **11:54**
